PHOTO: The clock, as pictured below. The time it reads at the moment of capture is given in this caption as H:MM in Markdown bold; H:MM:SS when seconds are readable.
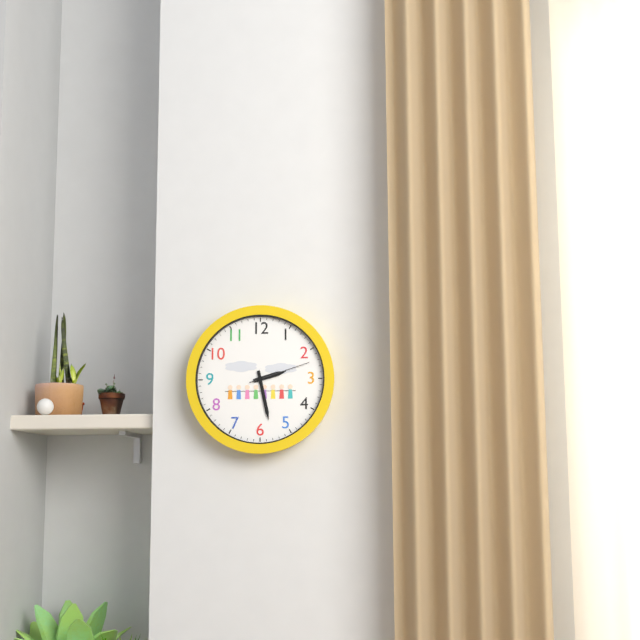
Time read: **2:28:12**
